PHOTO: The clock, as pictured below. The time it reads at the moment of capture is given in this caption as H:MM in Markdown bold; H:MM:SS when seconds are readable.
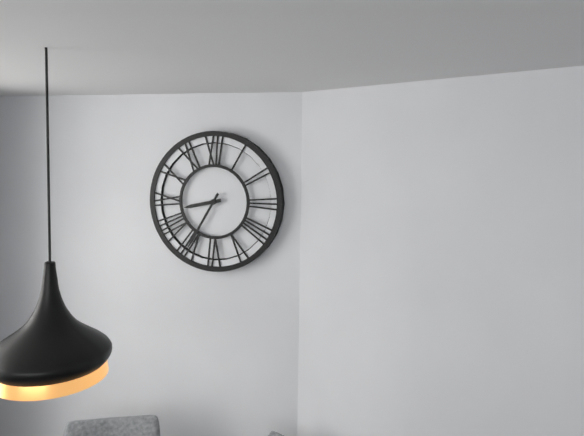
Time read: **8:35**
